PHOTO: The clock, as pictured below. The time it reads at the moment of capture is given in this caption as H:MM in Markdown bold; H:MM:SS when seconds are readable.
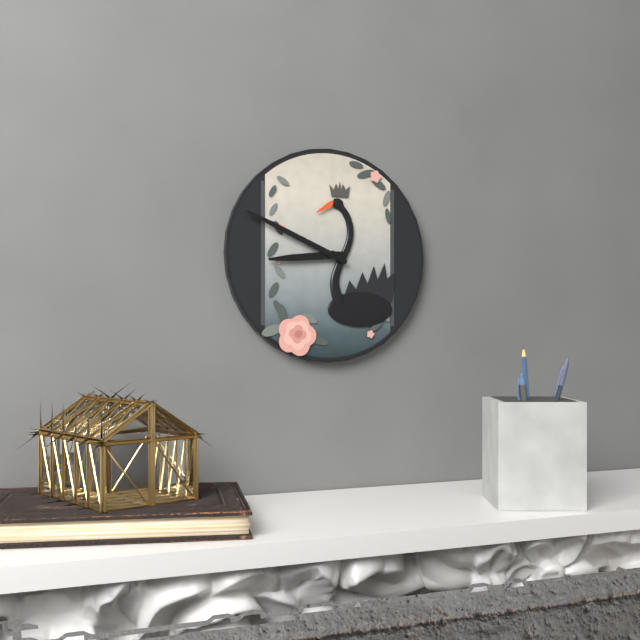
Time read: **8:49**
